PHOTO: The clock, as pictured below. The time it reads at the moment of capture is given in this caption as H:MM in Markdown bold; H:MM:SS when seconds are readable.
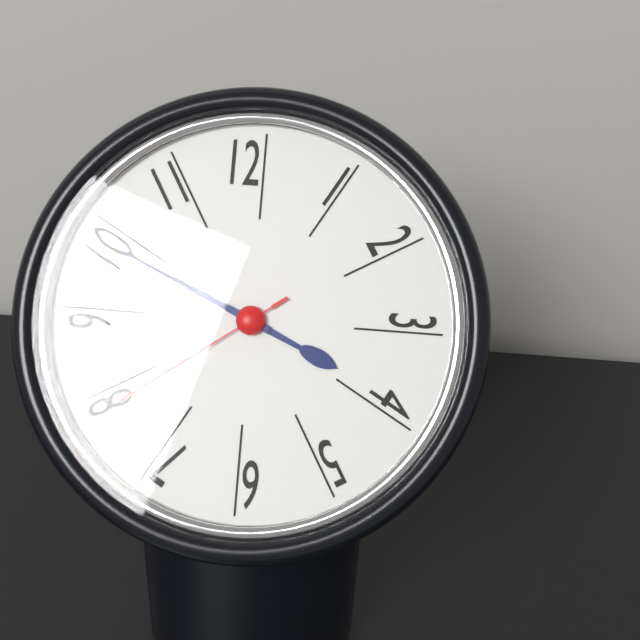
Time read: **3:49:39**
